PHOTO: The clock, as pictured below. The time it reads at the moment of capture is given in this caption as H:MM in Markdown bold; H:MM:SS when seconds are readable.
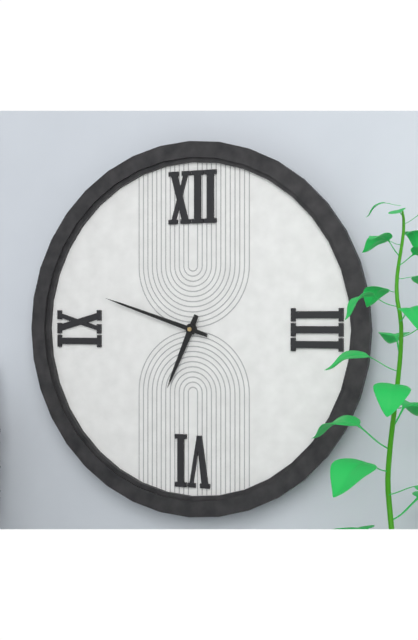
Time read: **6:48**
